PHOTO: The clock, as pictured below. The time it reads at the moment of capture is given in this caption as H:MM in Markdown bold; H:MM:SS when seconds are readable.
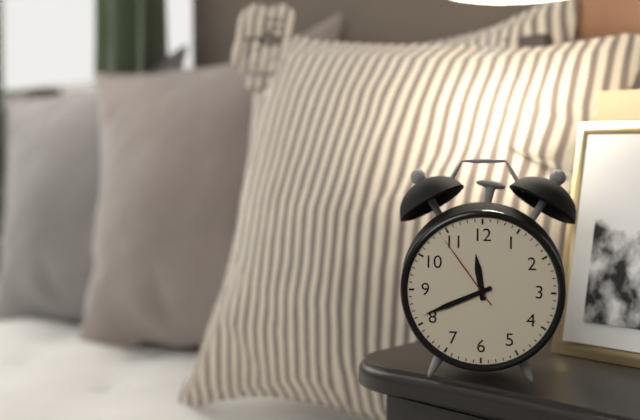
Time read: **11:41:54**
